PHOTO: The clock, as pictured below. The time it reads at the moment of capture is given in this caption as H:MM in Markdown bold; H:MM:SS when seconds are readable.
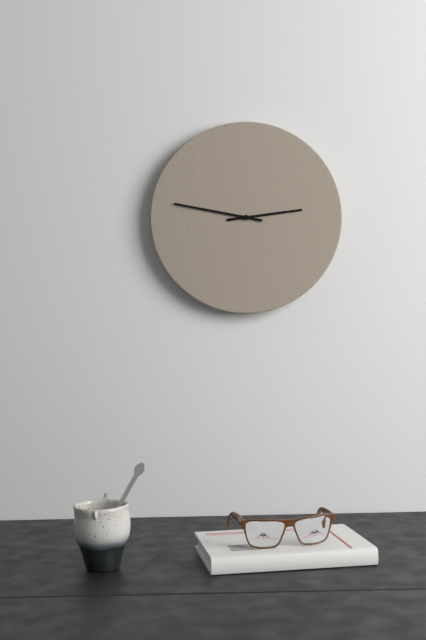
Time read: **2:47**
